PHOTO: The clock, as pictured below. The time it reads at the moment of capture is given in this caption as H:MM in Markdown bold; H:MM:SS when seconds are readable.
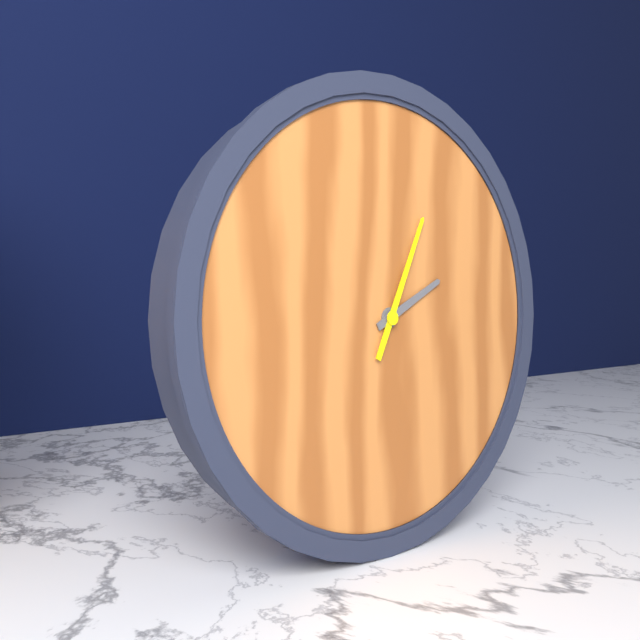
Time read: **2:04**
